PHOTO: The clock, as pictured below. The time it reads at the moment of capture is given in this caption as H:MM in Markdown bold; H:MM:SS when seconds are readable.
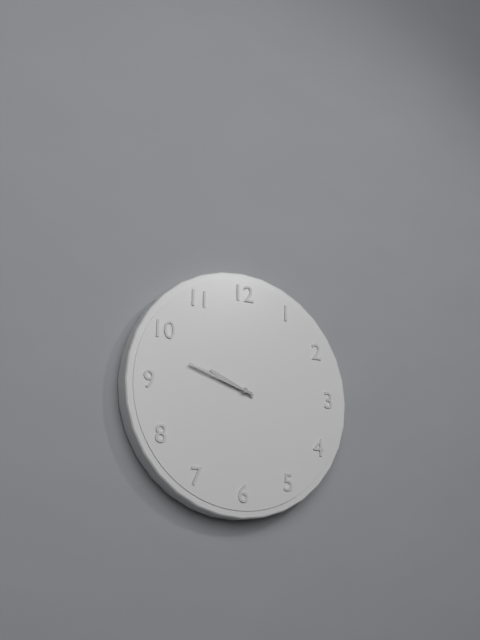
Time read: **9:48**
